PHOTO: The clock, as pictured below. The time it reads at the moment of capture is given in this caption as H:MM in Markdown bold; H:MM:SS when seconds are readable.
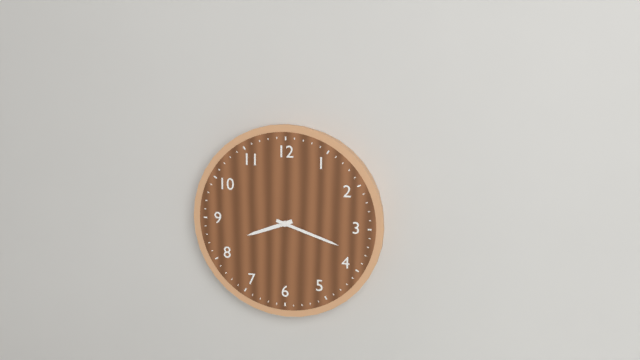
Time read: **8:18**
